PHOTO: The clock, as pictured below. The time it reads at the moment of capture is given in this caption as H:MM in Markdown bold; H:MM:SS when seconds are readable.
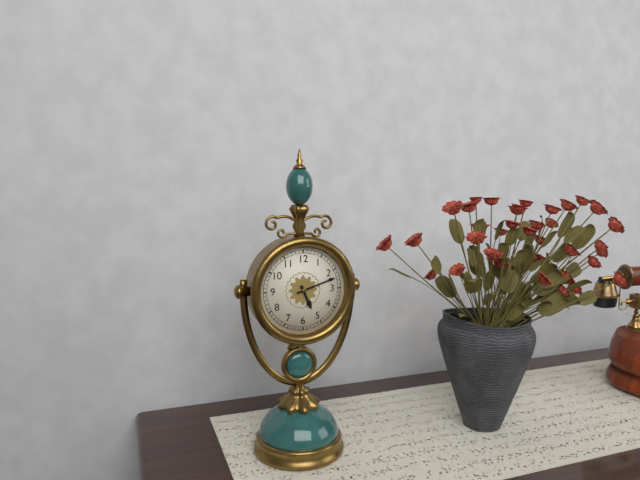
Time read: **5:12**
